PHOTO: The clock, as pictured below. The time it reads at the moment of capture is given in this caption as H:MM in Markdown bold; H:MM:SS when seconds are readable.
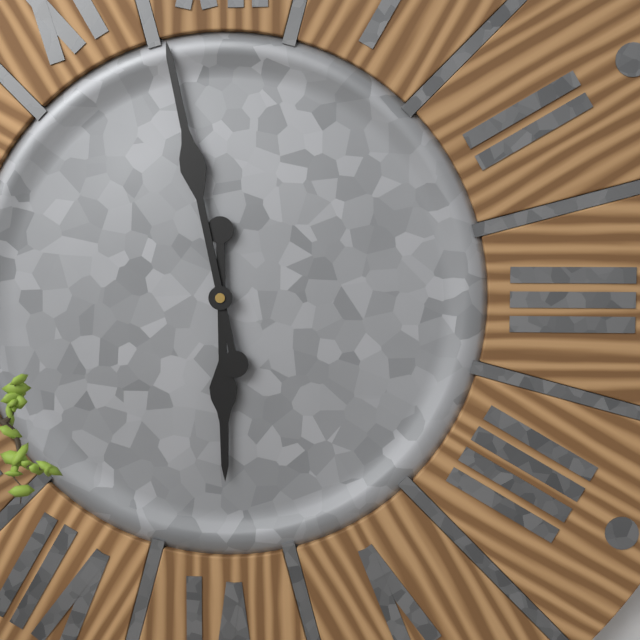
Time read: **5:58**
